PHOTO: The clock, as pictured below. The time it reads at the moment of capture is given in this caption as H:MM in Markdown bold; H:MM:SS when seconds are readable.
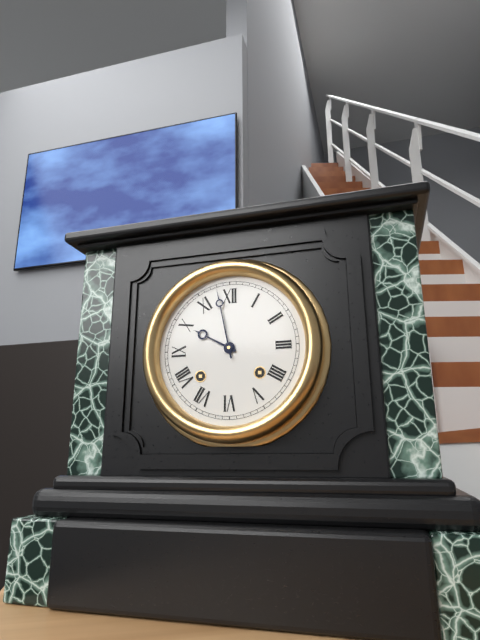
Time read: **9:58**
